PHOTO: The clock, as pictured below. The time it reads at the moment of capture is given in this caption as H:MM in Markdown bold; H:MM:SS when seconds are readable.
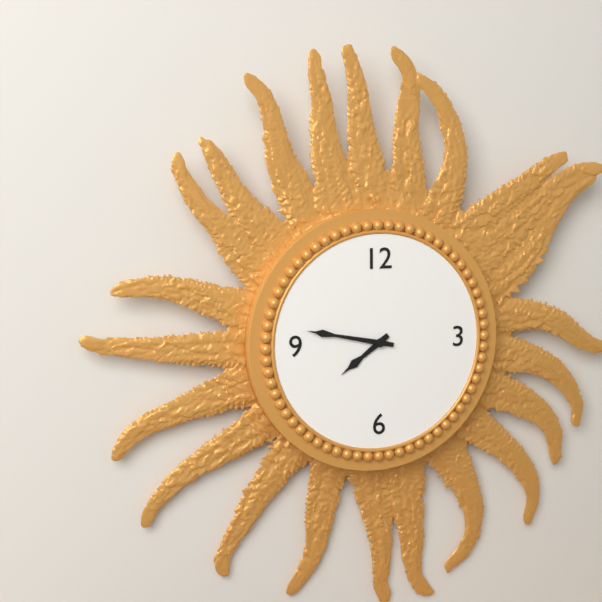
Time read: **7:47**
